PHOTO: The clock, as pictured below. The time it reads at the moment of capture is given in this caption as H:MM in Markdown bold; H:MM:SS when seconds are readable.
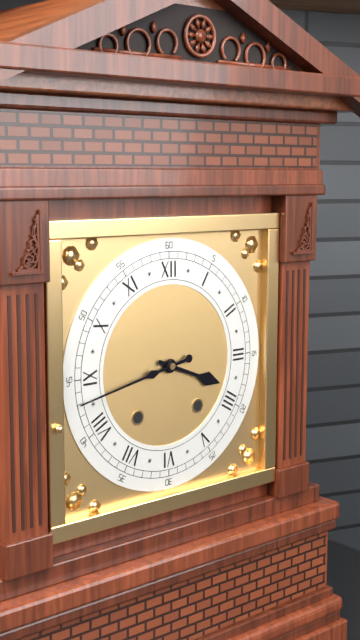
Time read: **3:43**
